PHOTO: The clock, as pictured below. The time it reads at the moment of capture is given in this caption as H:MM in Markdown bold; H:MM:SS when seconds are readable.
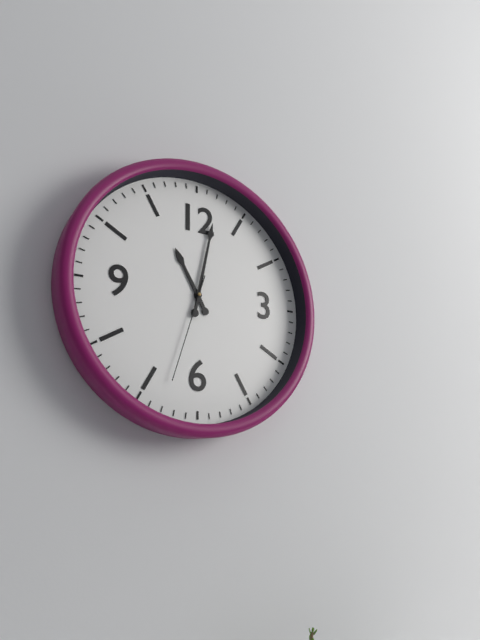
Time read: **11:02:33**
